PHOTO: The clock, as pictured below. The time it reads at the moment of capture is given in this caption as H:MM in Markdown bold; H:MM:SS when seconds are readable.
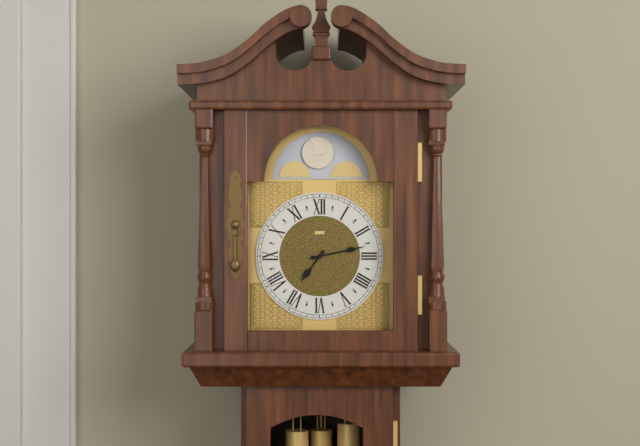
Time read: **7:13**
